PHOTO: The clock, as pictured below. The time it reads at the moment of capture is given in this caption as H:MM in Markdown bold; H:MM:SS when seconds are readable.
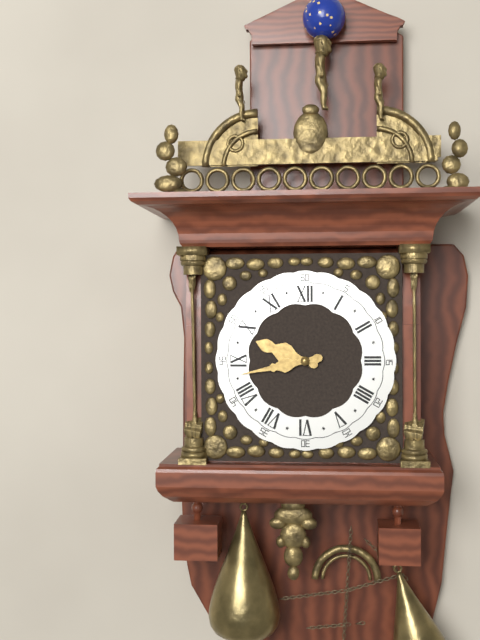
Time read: **9:43**
